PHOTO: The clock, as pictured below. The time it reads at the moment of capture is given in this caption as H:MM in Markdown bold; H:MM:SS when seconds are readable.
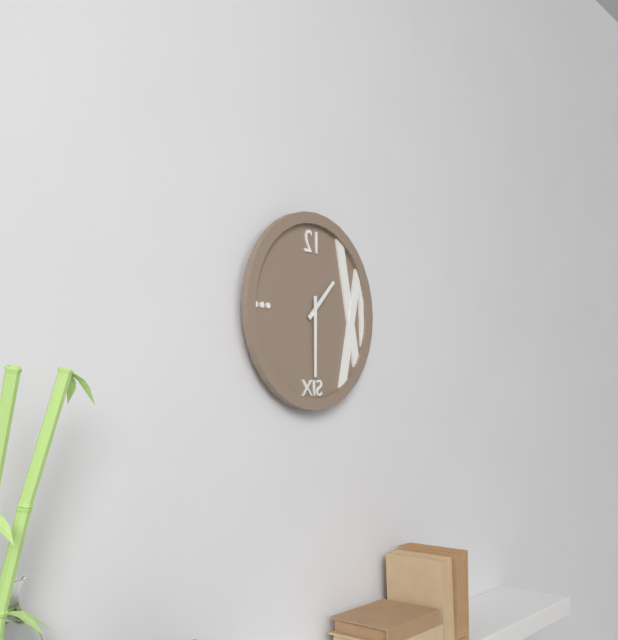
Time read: **1:30**
